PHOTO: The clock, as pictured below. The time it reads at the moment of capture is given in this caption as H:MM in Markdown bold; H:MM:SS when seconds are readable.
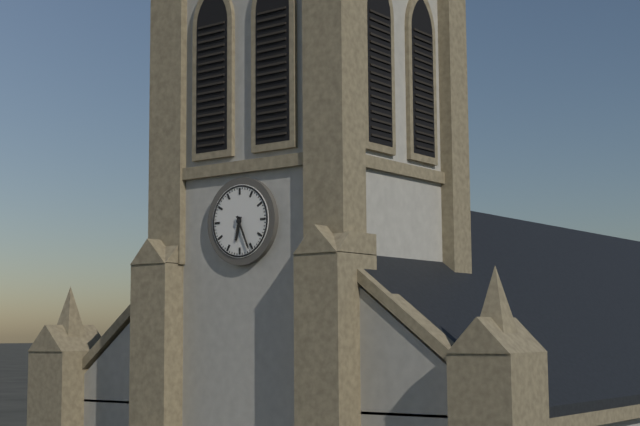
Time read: **6:26**
